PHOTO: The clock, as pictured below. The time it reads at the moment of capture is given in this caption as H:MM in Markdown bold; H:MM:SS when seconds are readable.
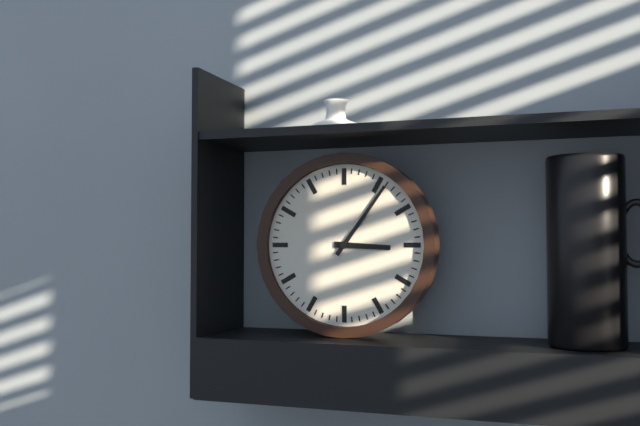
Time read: **3:06**
